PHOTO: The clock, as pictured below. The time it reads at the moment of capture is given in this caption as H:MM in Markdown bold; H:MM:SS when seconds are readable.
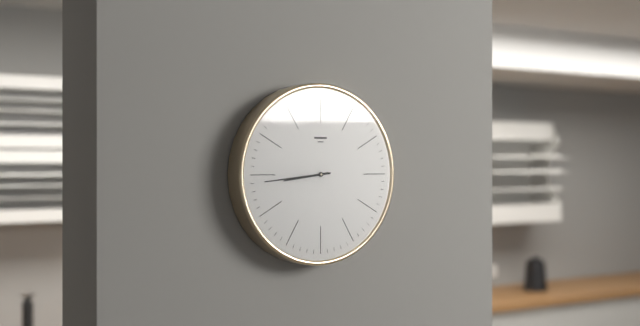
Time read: **8:44**
